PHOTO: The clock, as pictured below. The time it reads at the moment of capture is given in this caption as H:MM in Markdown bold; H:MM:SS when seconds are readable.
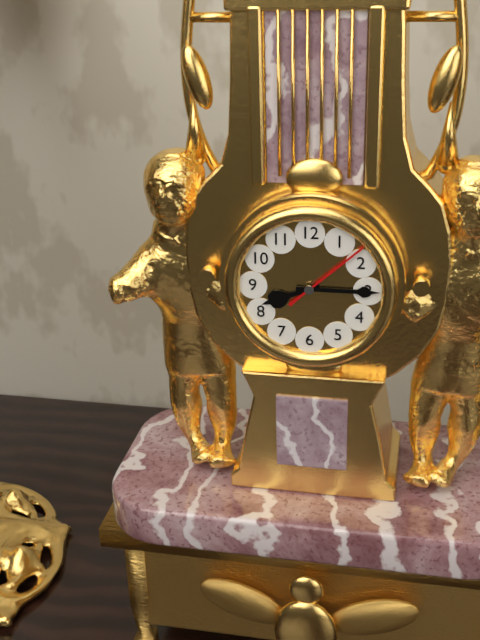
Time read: **8:15:08**
